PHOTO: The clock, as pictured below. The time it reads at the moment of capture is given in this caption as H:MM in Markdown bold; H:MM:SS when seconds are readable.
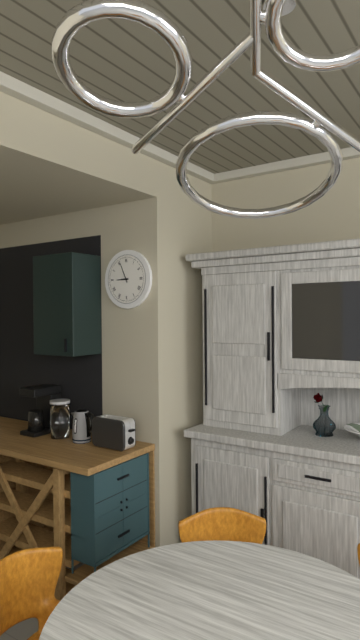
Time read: **8:56**
